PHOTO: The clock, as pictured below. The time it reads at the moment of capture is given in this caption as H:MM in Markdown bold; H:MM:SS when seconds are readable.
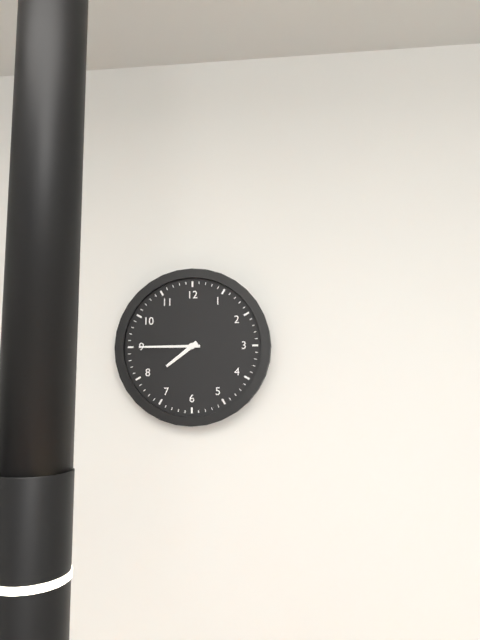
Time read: **7:45**
